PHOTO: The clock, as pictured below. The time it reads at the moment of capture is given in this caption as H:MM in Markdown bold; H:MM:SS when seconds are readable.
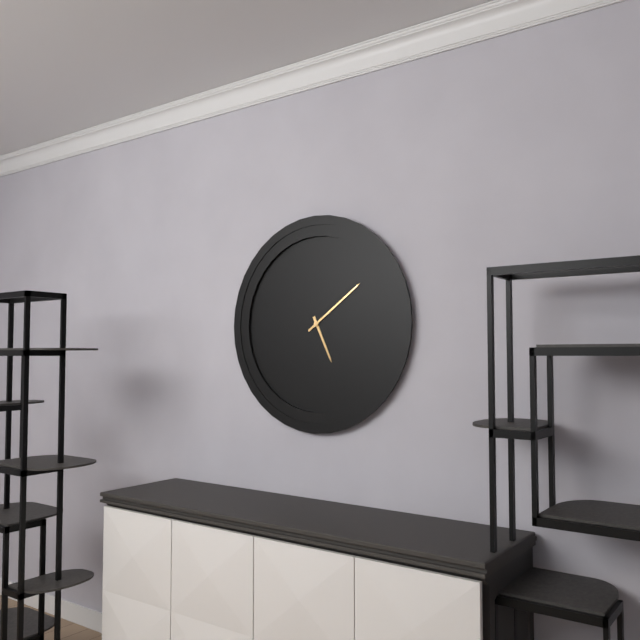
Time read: **5:09**
